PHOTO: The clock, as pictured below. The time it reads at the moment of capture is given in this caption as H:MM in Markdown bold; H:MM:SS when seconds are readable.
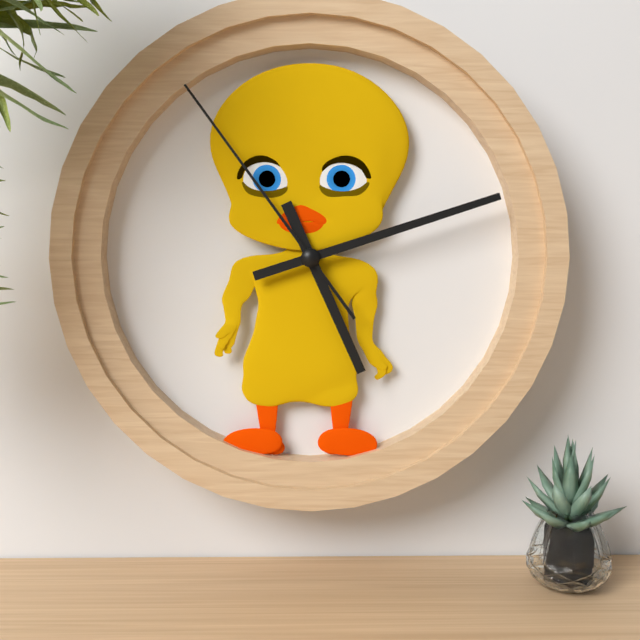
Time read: **5:12:54**
